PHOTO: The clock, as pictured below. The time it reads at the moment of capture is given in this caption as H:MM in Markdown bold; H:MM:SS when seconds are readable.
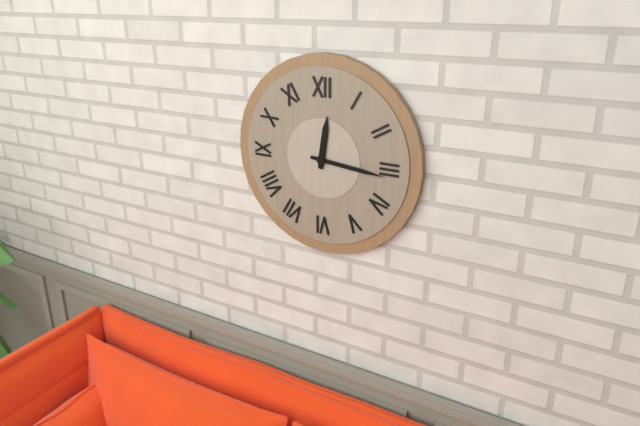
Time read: **12:16**
